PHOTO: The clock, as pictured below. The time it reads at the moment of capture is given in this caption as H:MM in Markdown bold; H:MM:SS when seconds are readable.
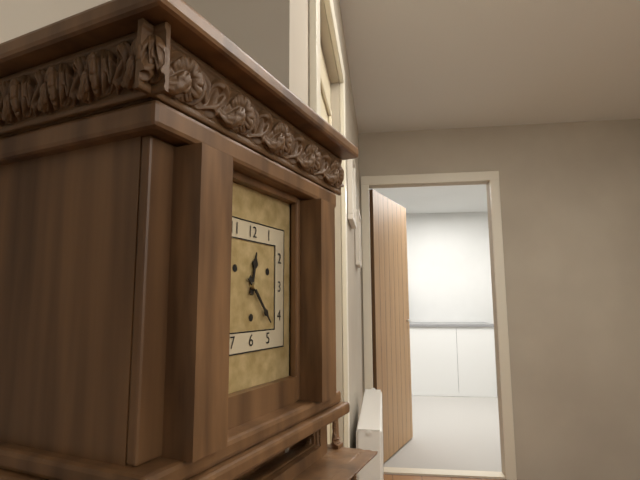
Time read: **12:23**
